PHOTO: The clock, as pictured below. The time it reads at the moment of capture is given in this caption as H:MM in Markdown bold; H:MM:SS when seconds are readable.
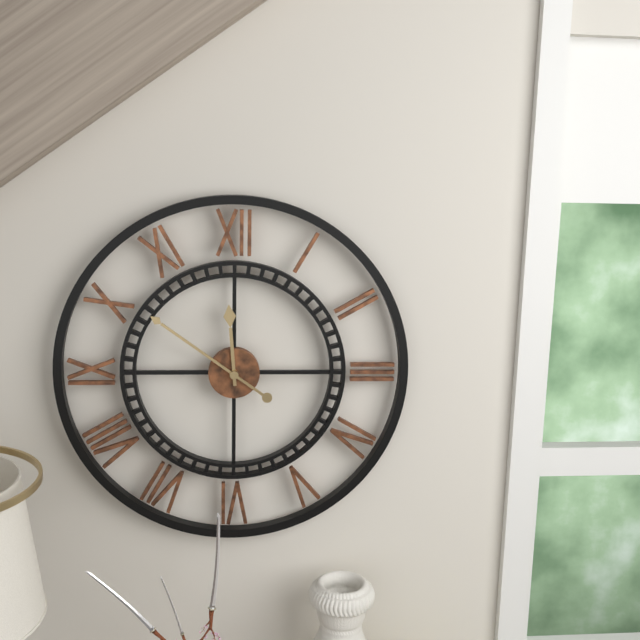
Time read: **11:51**
